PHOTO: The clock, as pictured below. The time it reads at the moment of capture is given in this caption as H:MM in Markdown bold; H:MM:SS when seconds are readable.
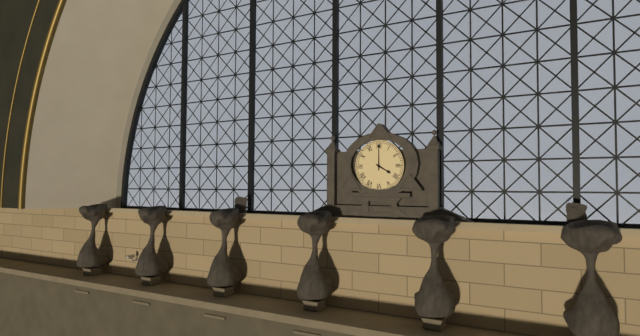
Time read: **4:00**
